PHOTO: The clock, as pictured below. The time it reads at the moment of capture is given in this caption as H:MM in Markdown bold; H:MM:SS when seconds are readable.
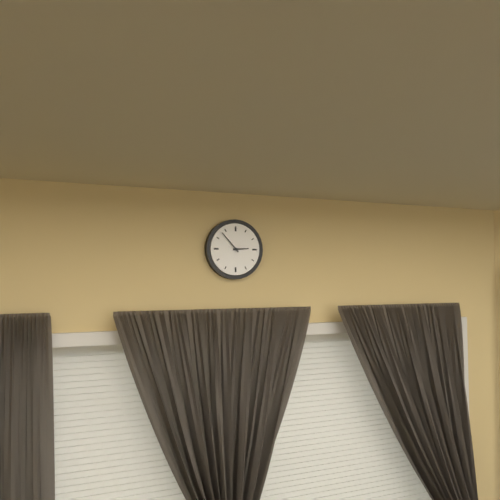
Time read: **2:53**
